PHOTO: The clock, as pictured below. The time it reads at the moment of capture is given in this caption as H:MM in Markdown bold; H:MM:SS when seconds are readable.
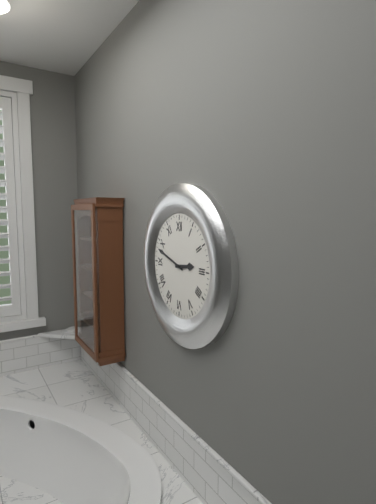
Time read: **2:48**
